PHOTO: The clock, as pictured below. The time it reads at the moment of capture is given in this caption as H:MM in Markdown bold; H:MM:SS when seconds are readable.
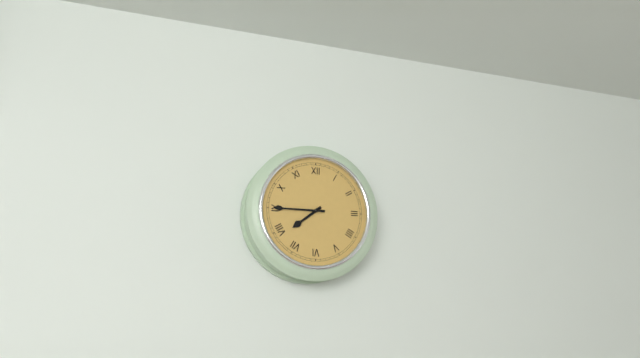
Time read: **7:45**
